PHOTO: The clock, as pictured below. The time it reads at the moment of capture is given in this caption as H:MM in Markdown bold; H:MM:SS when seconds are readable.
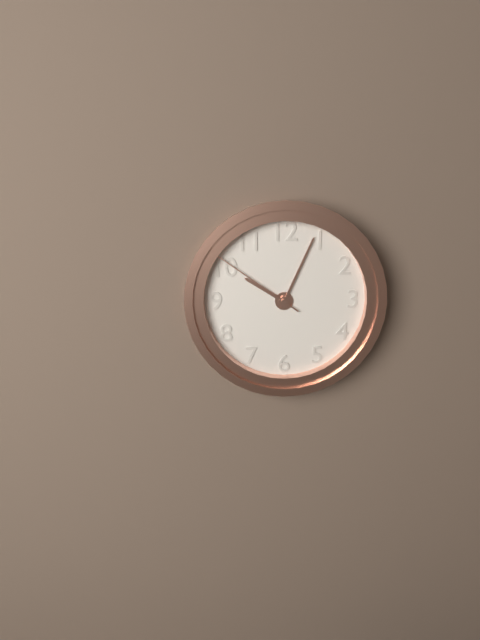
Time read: **10:04:51**
